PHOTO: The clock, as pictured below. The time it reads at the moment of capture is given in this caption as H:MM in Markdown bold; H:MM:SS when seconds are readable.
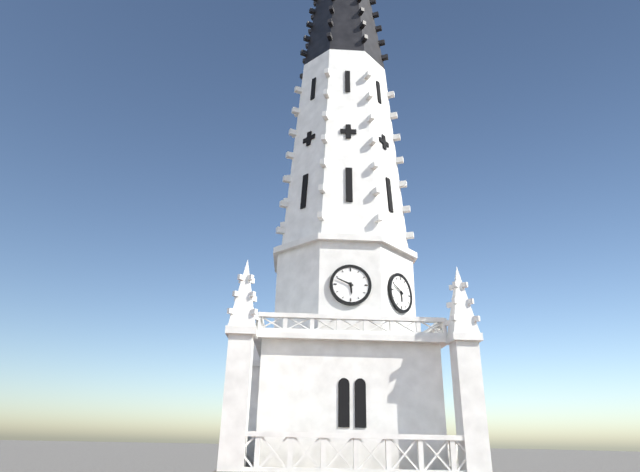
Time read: **5:49**
